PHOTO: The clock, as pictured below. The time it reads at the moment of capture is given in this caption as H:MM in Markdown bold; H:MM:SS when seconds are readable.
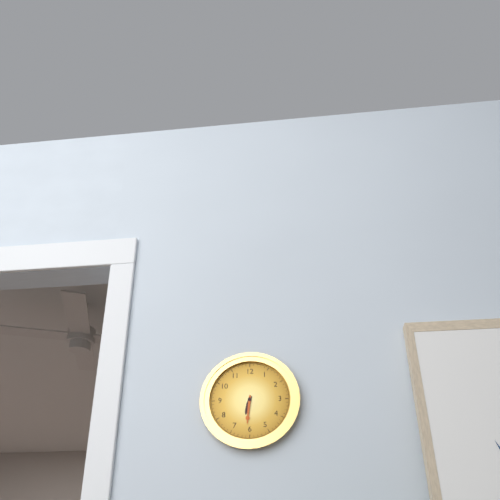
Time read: **6:31**
